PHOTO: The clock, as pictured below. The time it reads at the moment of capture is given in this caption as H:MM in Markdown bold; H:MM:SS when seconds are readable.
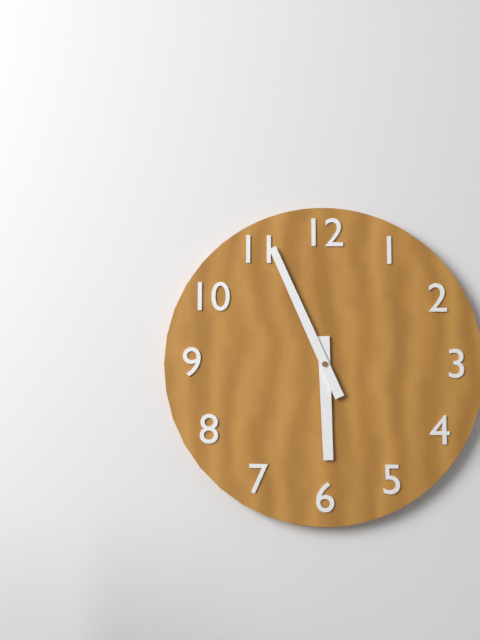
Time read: **5:56**
